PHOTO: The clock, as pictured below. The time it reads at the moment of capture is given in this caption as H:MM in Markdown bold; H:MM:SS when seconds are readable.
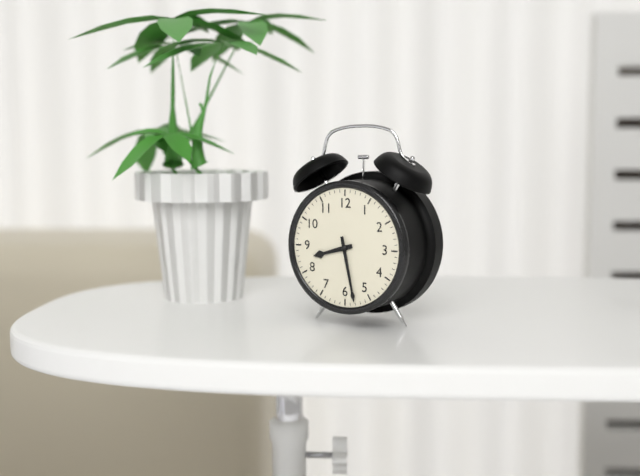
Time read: **8:28**
